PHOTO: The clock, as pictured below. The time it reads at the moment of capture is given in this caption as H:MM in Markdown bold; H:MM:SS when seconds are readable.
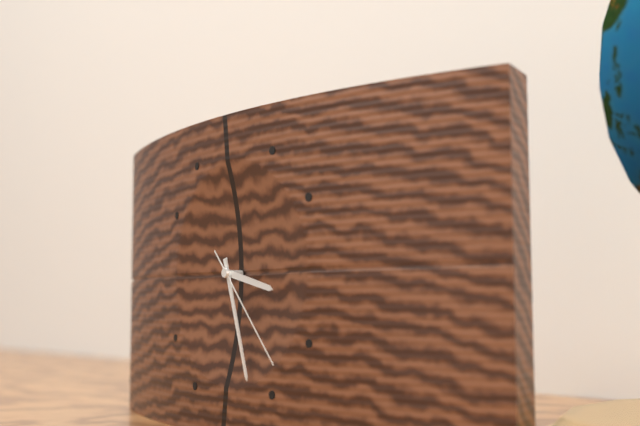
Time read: **3:27:23**
